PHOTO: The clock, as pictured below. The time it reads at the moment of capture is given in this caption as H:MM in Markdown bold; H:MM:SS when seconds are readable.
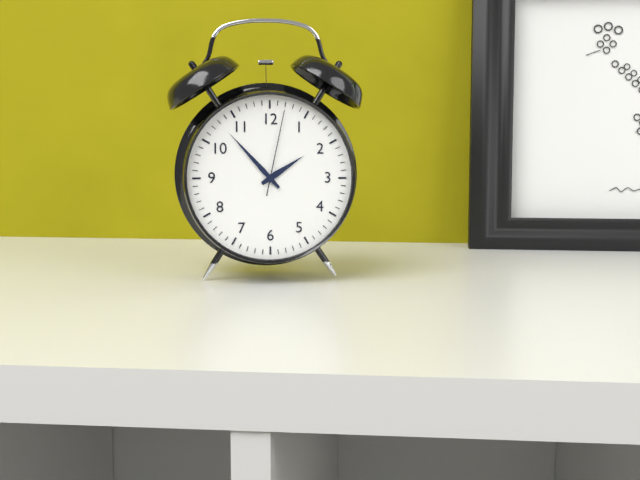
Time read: **1:53:02**
